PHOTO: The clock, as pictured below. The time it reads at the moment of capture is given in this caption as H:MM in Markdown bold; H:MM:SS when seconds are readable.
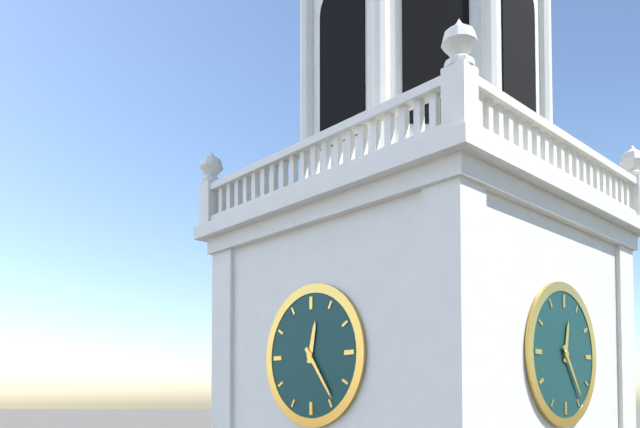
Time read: **12:24**
